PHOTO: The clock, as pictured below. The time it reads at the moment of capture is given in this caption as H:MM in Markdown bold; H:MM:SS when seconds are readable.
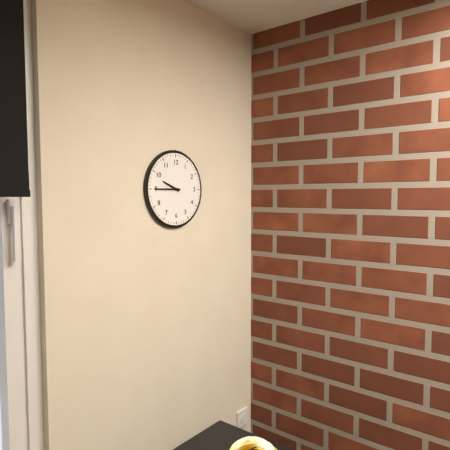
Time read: **9:45**
